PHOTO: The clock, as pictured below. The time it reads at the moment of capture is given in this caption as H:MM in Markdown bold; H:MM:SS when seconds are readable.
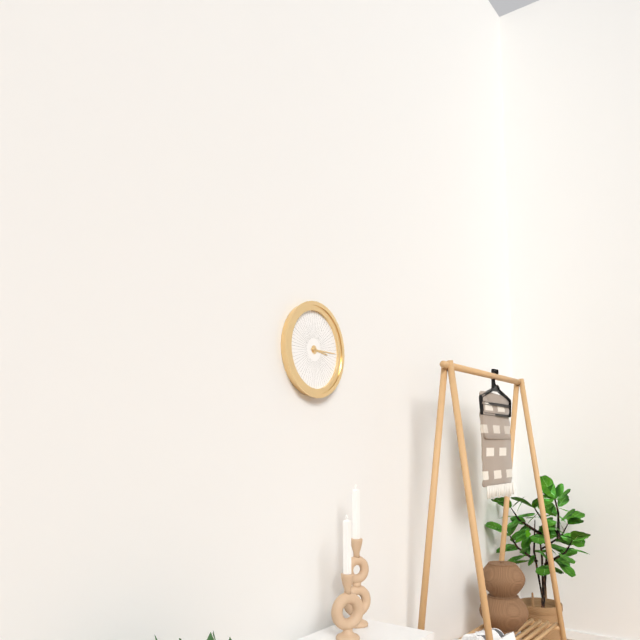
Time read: **3:15**
